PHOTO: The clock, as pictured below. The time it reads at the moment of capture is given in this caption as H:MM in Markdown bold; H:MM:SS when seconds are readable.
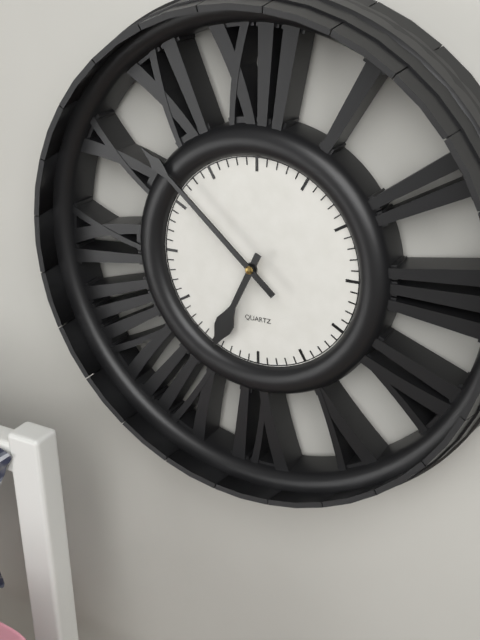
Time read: **6:52**
